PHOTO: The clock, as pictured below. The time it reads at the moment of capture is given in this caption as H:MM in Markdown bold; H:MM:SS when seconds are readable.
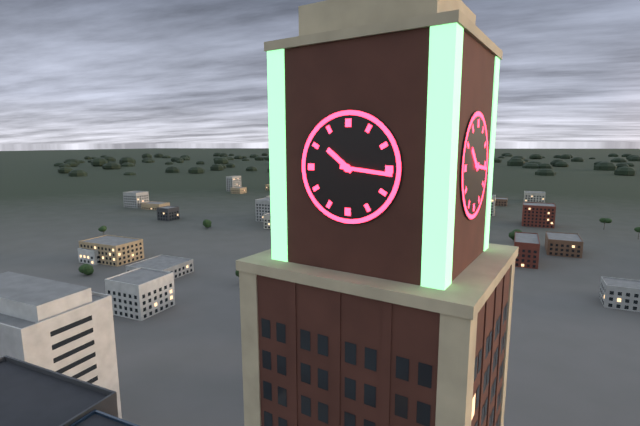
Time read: **10:16**
